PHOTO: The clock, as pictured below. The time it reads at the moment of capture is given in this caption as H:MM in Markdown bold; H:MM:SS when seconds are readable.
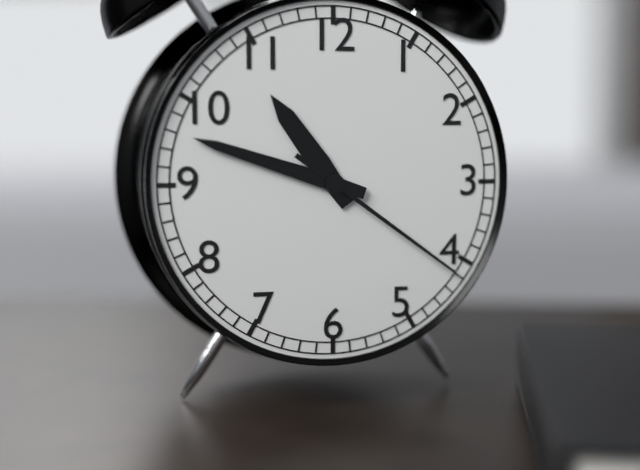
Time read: **10:48:21**
